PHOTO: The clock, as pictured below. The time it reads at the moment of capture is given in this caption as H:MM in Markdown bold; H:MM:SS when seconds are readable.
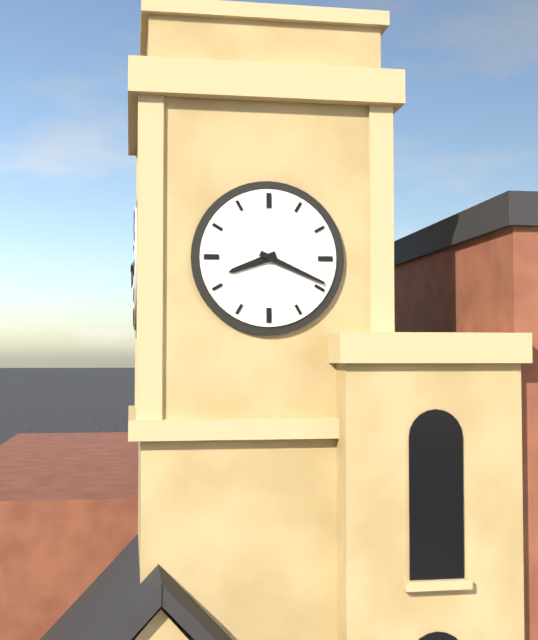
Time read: **8:19**
